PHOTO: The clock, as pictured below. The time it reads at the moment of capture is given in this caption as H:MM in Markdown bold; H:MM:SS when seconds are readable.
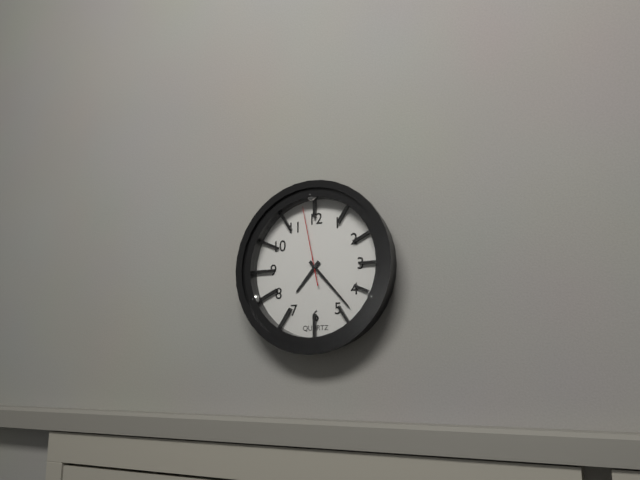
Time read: **7:23:58**
